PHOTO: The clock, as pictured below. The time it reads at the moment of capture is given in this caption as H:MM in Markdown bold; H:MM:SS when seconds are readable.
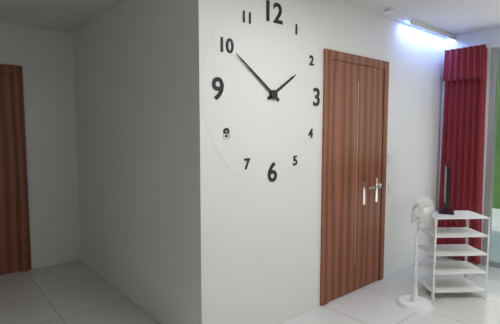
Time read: **1:51**
